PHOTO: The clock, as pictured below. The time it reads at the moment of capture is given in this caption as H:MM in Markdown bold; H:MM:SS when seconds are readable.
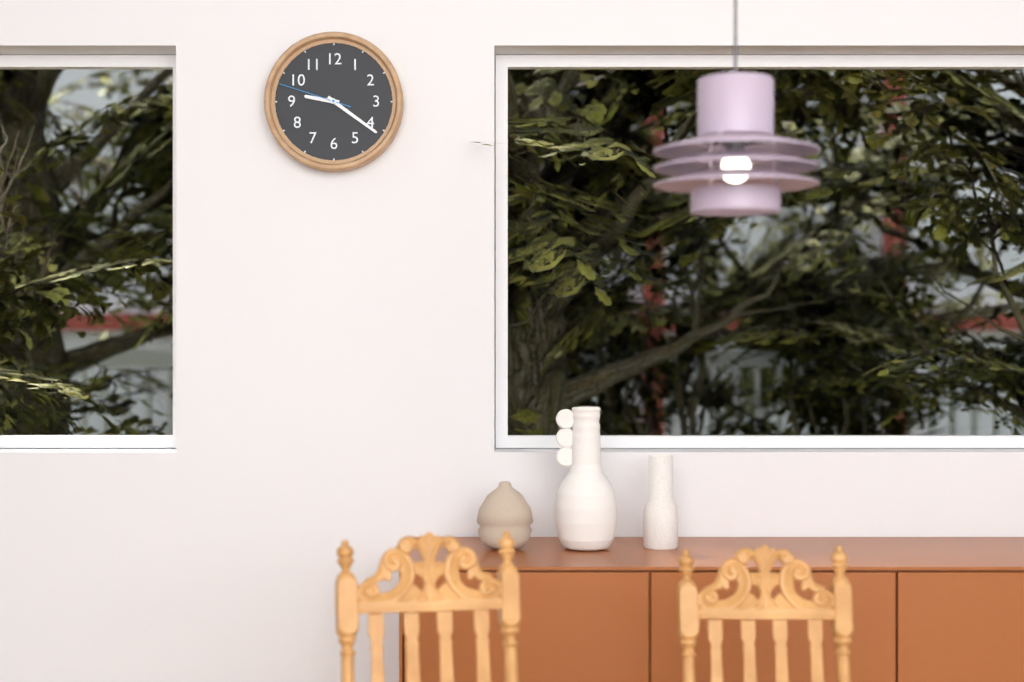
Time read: **9:21:48**
